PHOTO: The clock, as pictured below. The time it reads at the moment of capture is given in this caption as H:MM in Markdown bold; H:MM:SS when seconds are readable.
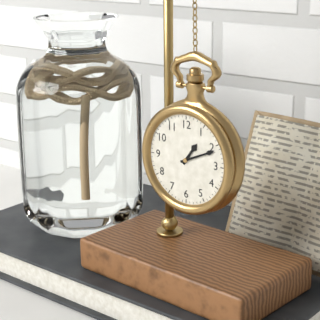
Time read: **1:11**
